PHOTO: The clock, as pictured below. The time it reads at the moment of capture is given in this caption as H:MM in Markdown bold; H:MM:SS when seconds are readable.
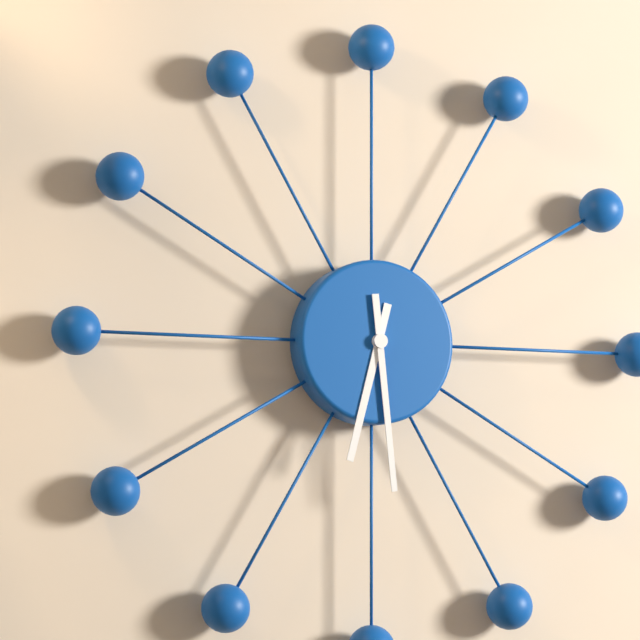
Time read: **6:29**
